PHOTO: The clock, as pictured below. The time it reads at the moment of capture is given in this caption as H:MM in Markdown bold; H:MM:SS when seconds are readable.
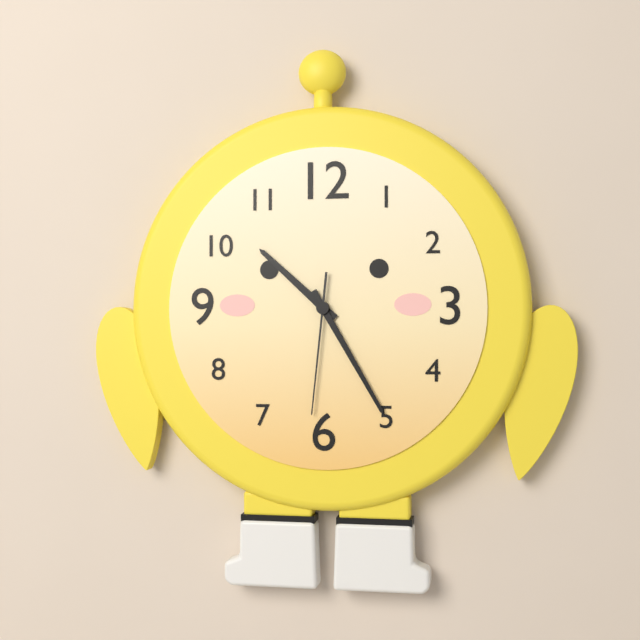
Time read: **10:25:31**
